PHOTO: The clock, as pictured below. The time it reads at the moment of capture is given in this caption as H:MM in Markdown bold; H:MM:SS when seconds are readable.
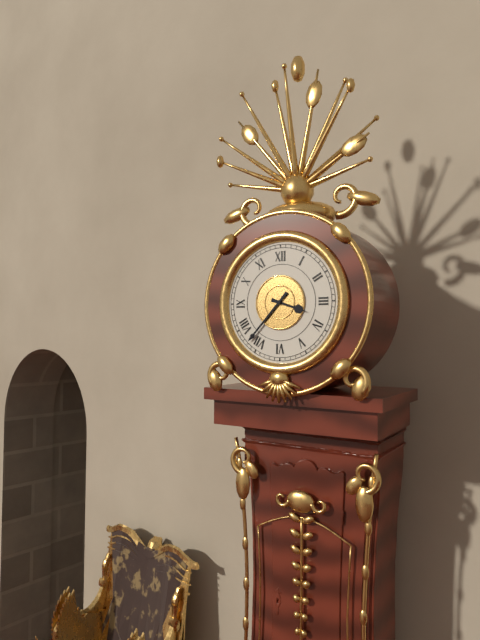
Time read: **3:37**
